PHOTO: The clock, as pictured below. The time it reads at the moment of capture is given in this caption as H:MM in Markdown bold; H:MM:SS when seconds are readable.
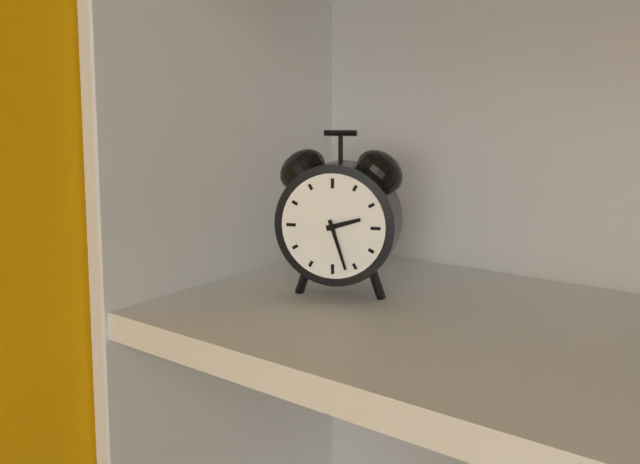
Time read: **2:27**
